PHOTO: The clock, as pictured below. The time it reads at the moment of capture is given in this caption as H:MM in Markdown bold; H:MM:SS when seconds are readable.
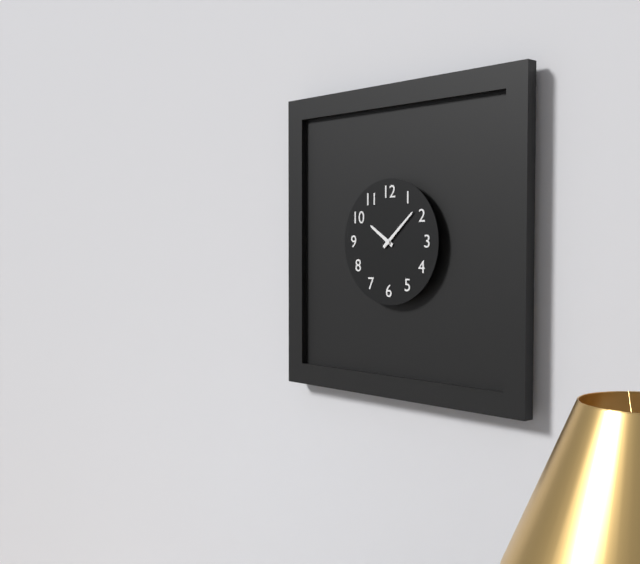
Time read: **10:08**
